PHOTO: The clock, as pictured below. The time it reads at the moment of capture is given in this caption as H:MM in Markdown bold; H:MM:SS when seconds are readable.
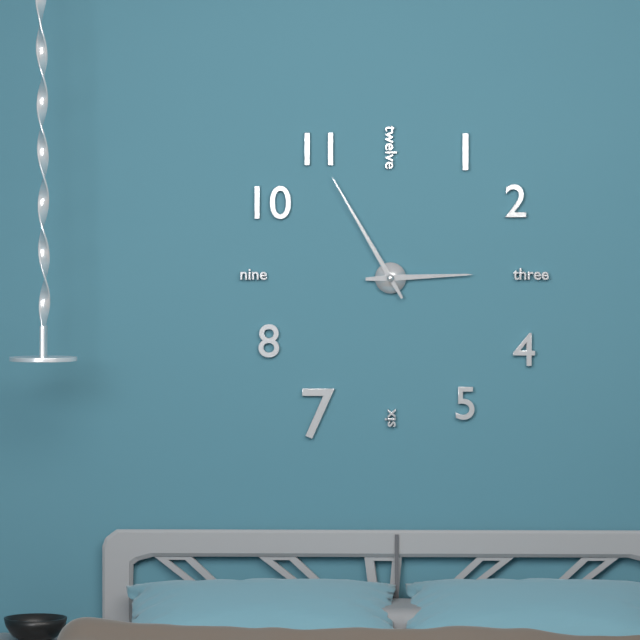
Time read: **2:55**
